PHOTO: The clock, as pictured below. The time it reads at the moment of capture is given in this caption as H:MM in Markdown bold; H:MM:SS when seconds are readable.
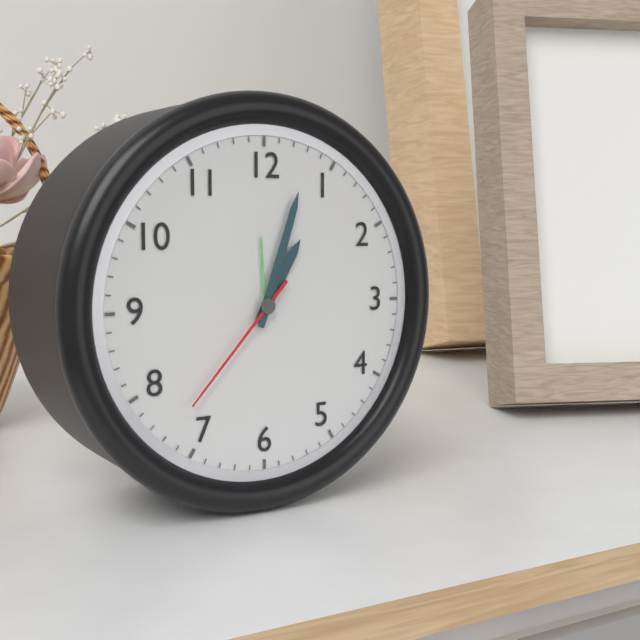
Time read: **1:03:37**
